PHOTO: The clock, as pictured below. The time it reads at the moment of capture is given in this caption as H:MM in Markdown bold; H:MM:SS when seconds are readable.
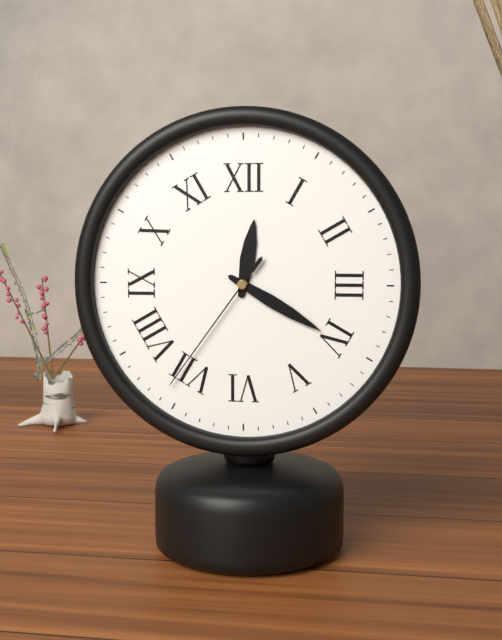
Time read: **12:20:36**
